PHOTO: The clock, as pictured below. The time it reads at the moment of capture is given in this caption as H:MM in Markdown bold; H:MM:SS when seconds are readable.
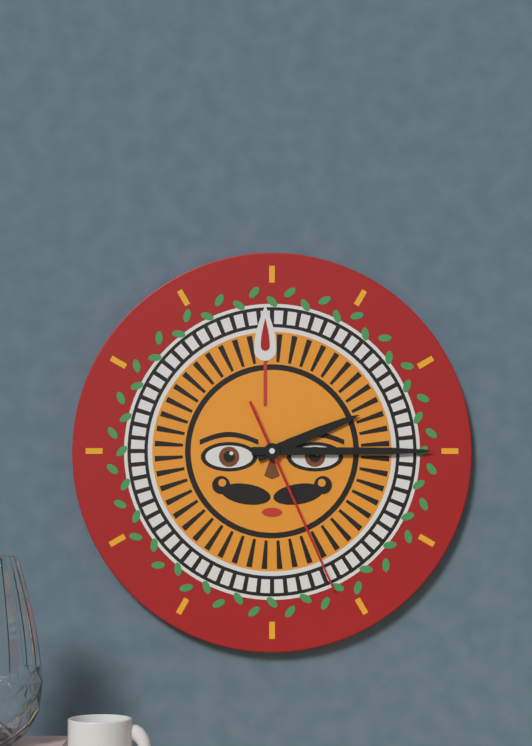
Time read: **2:15:26**
